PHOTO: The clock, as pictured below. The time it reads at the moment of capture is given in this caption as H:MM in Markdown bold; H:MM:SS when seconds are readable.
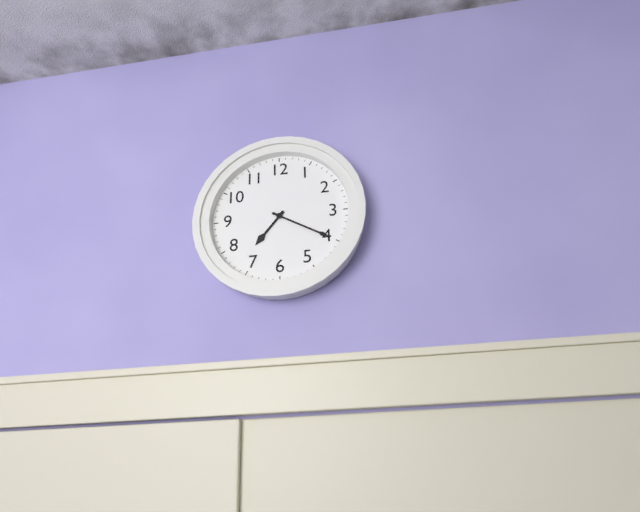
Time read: **7:20**
